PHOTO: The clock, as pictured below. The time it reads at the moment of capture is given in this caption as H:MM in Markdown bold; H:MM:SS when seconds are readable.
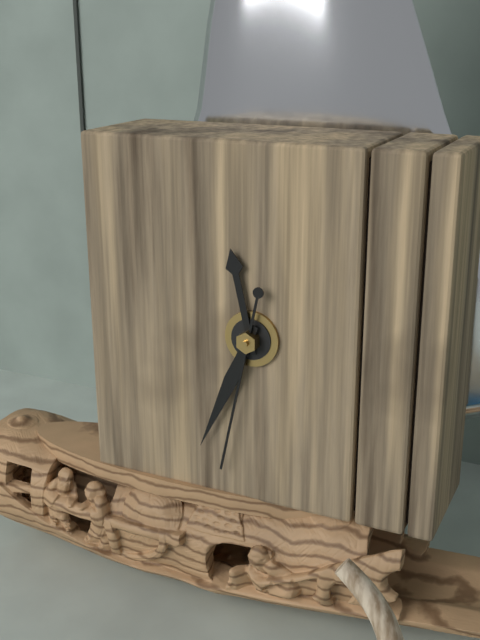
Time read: **11:34:32**
